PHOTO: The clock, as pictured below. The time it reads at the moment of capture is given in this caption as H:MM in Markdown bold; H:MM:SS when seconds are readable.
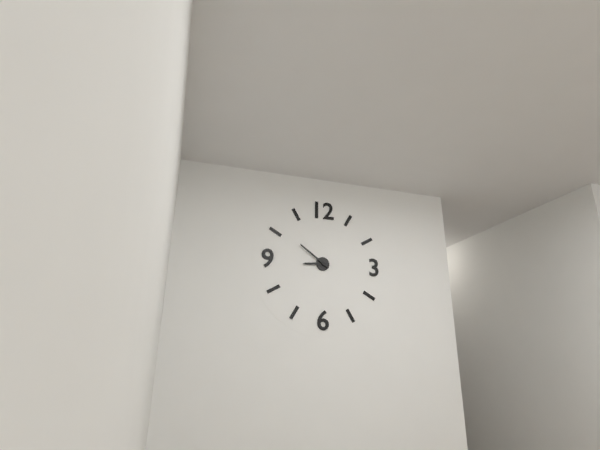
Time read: **8:51**
